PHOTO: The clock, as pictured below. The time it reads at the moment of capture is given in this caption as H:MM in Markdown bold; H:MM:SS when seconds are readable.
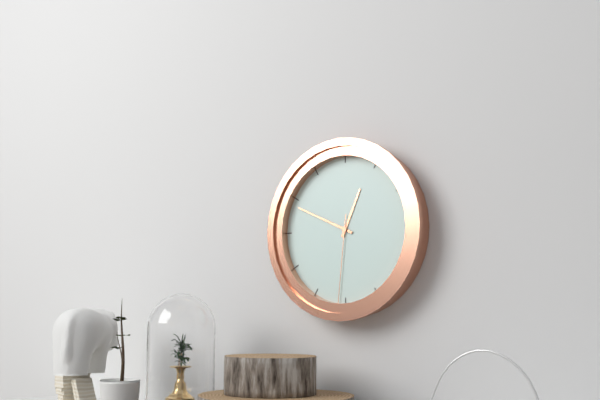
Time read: **12:49:31**
